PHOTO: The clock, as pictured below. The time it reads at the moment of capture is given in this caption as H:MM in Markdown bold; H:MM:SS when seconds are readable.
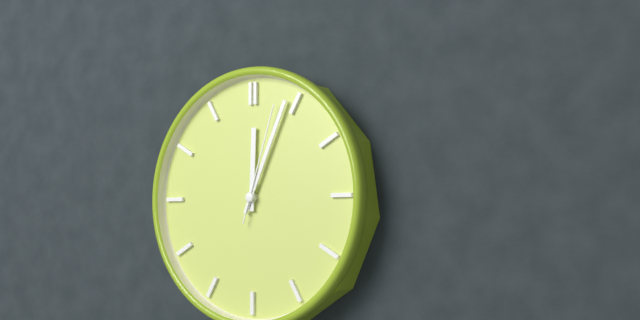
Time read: **12:04:03**
